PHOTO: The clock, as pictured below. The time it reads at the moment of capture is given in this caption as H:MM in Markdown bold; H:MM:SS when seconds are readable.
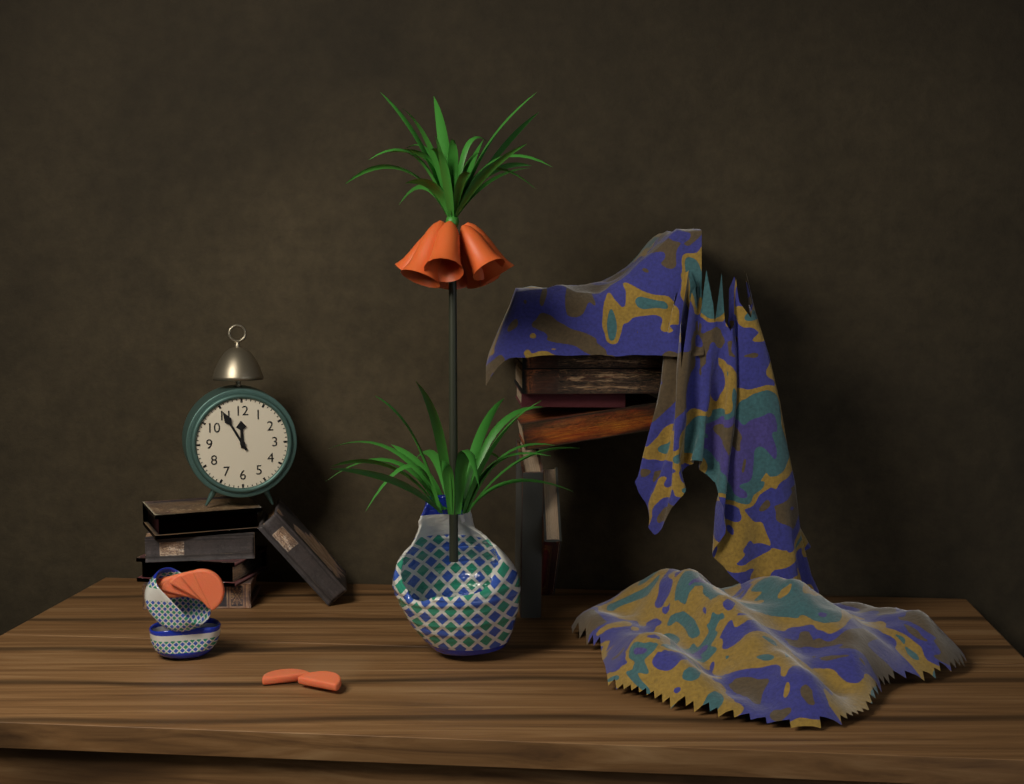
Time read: **11:55**
